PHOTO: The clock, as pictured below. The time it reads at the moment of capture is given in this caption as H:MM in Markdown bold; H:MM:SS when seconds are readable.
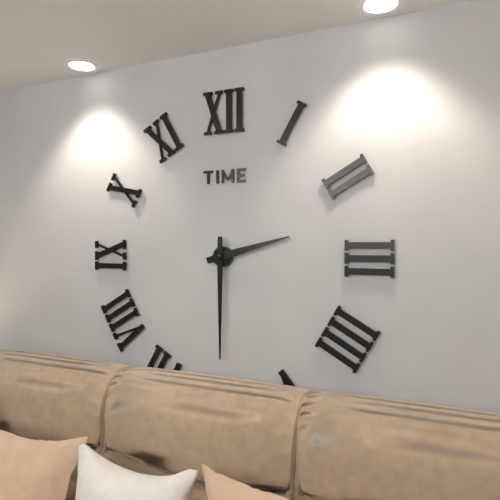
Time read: **2:30**
